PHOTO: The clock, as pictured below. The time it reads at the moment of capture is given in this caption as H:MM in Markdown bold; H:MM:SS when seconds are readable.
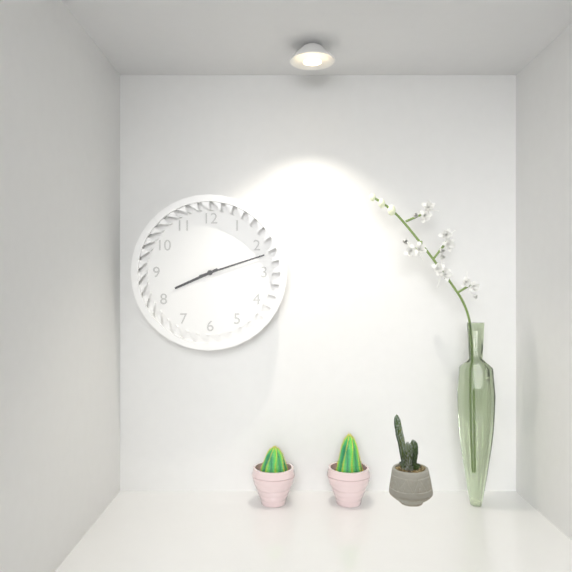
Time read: **8:12**
